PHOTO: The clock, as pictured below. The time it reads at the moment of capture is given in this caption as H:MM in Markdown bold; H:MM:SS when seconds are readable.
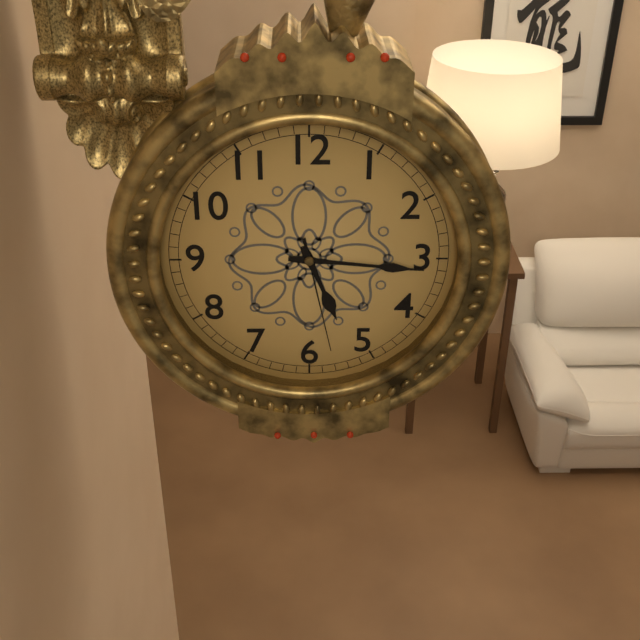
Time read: **5:16:28**
